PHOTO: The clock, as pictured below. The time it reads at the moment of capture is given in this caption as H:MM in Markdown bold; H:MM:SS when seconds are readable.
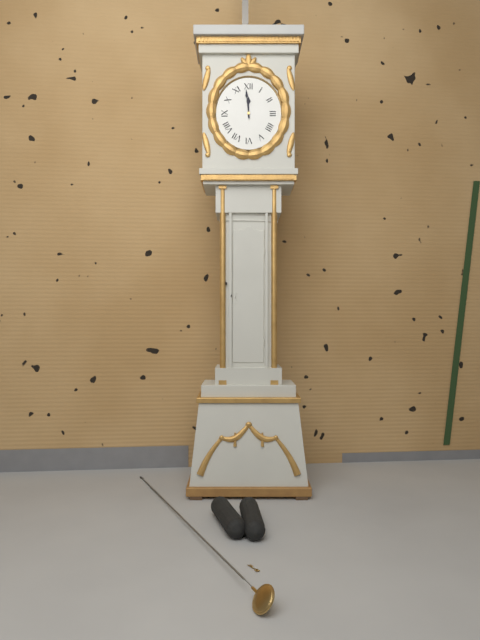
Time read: **11:59**
